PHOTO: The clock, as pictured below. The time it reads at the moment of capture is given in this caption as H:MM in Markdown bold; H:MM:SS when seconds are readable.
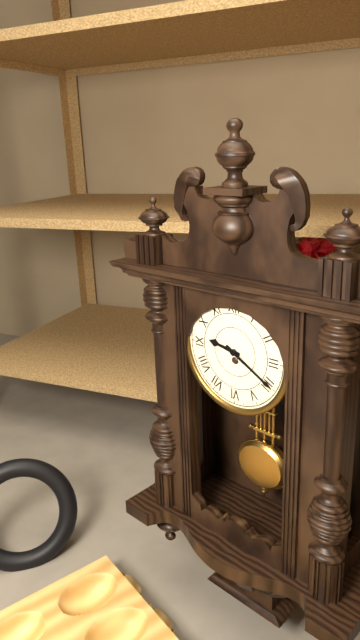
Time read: **9:20**
